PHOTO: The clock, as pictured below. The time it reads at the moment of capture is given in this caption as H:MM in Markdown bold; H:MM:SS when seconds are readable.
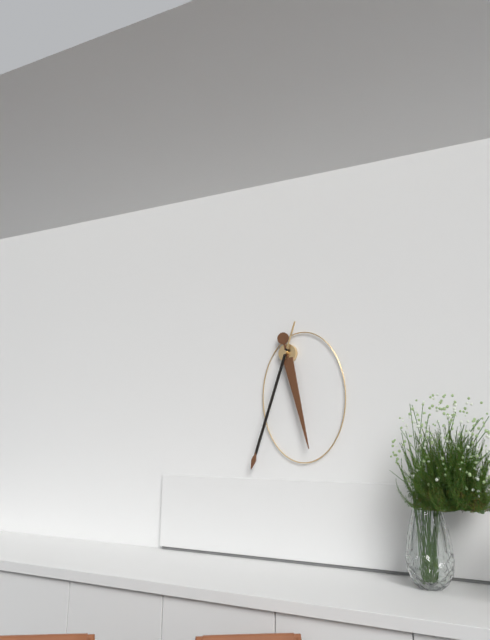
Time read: **5:33**
